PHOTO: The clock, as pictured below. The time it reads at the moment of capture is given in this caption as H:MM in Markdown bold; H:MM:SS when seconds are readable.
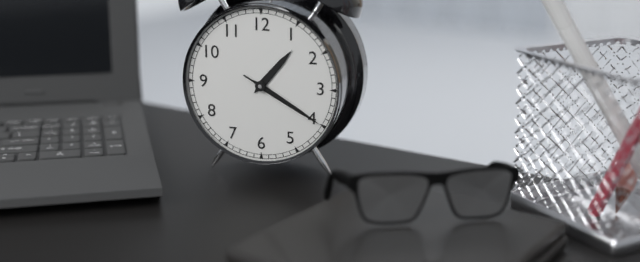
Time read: **1:20:20**
